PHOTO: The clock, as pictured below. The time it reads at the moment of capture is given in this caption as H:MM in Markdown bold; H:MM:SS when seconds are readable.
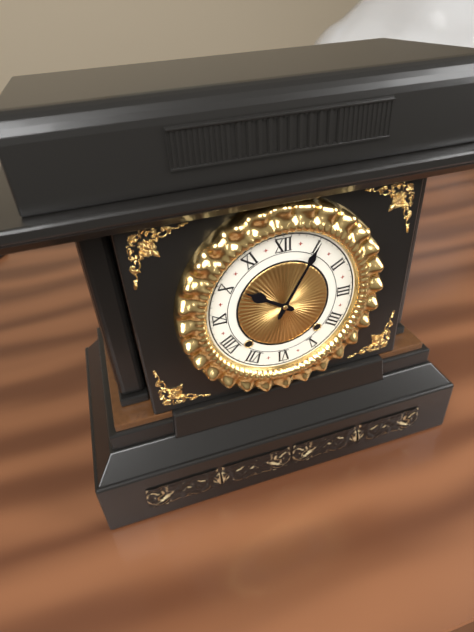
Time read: **10:05**
